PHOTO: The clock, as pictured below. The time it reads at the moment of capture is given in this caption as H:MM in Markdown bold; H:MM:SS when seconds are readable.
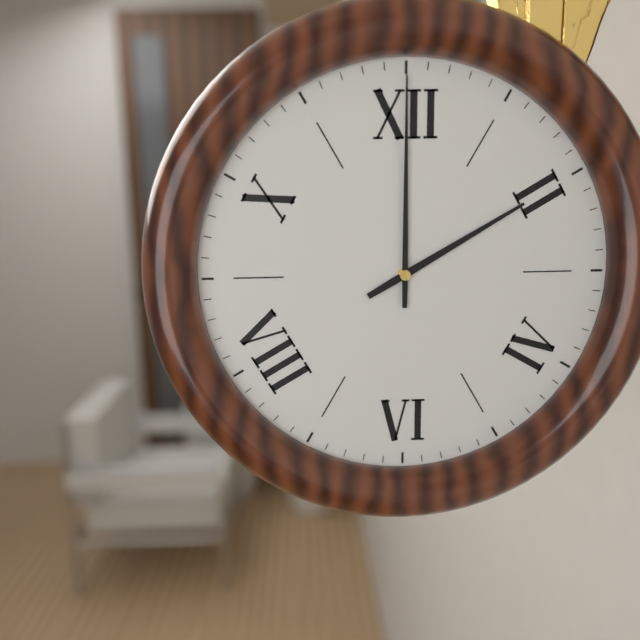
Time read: **2:00**
